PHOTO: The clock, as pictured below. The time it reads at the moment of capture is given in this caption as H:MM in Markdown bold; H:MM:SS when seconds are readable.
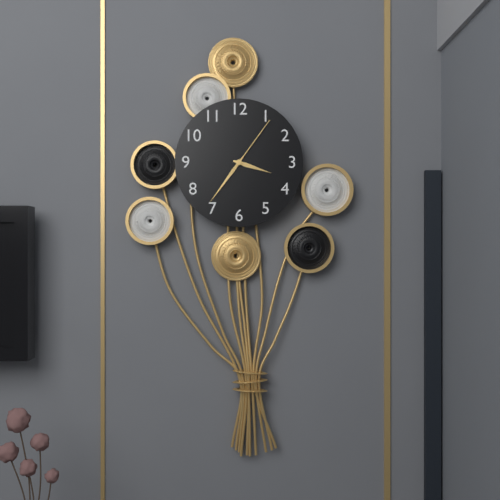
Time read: **3:36:06**
